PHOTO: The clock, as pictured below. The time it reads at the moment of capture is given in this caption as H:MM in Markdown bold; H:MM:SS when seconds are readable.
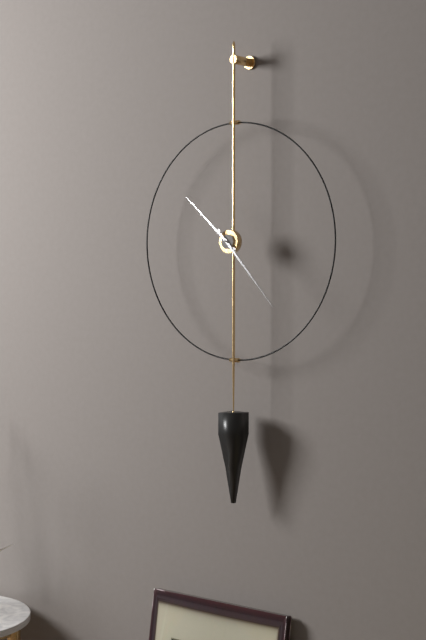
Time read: **10:23**
